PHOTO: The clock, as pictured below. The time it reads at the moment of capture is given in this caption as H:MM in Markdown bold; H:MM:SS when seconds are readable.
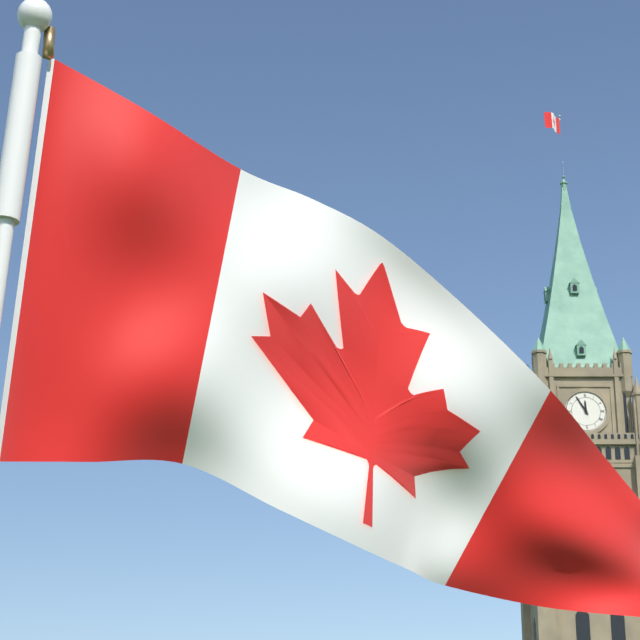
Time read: **11:55**
